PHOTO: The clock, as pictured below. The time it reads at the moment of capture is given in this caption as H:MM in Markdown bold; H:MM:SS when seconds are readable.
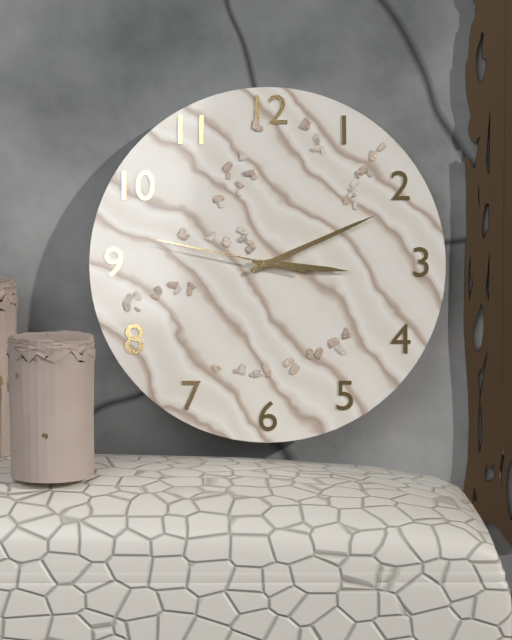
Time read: **3:11:47**
